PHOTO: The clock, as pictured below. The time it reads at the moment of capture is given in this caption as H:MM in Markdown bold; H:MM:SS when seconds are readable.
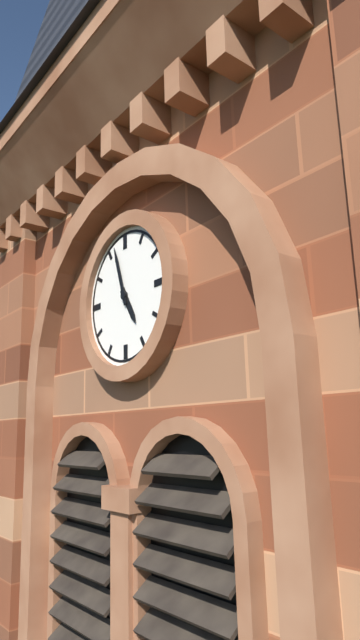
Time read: **4:57**
